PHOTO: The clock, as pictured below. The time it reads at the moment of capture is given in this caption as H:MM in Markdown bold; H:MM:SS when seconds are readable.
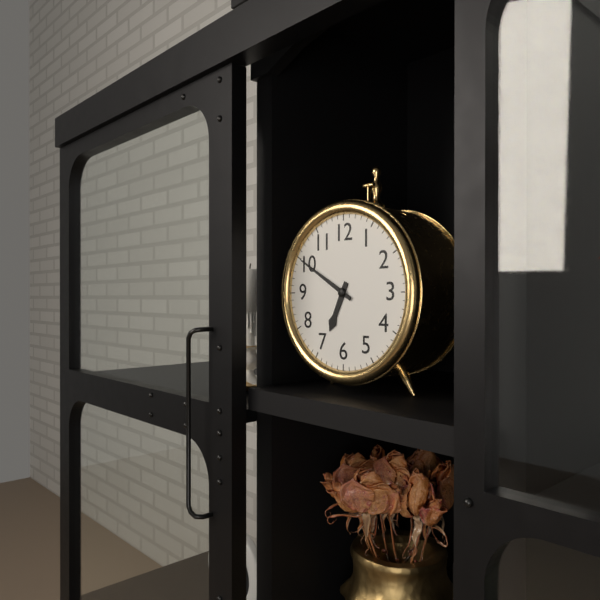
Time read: **6:50**
